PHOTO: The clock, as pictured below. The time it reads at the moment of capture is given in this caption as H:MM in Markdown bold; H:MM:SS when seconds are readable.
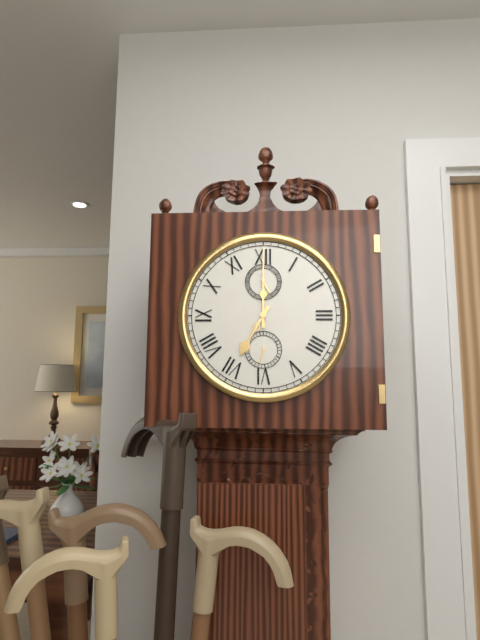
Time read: **7:00**
